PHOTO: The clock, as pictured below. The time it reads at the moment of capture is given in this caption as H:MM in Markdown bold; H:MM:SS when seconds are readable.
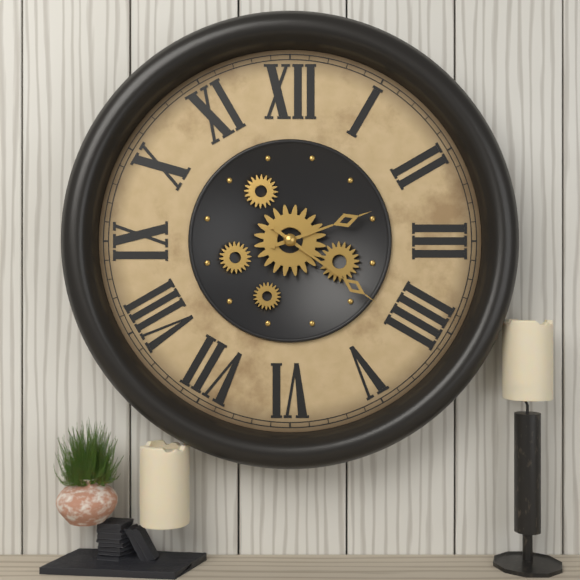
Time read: **2:21**
